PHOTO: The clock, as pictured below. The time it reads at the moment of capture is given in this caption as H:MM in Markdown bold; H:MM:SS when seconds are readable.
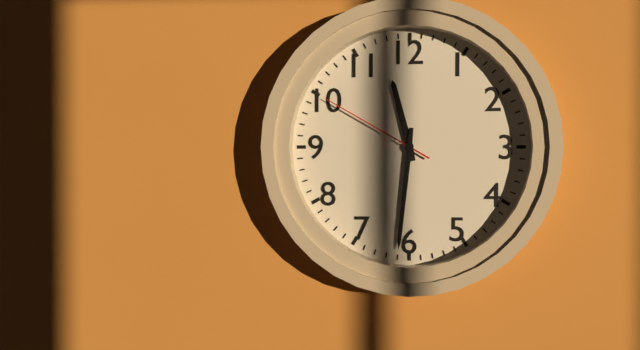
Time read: **11:31:50**
